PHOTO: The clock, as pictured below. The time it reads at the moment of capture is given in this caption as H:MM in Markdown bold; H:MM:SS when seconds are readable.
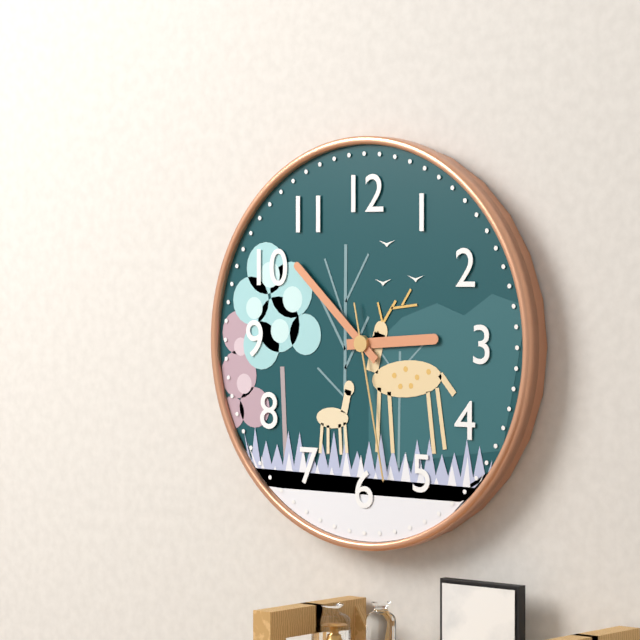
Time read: **2:52:28**
